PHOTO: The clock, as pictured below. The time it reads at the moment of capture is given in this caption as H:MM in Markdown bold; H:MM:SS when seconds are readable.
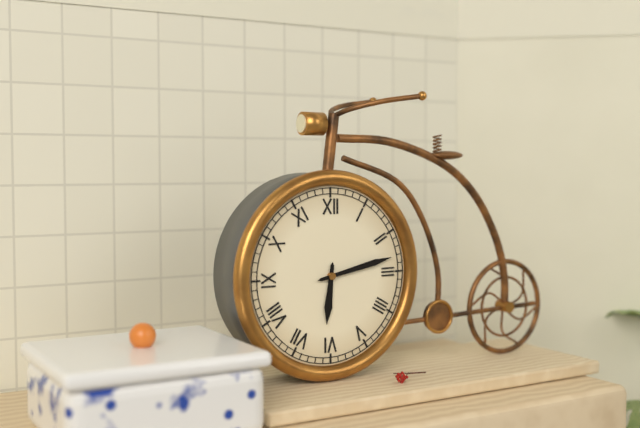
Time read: **6:13**
